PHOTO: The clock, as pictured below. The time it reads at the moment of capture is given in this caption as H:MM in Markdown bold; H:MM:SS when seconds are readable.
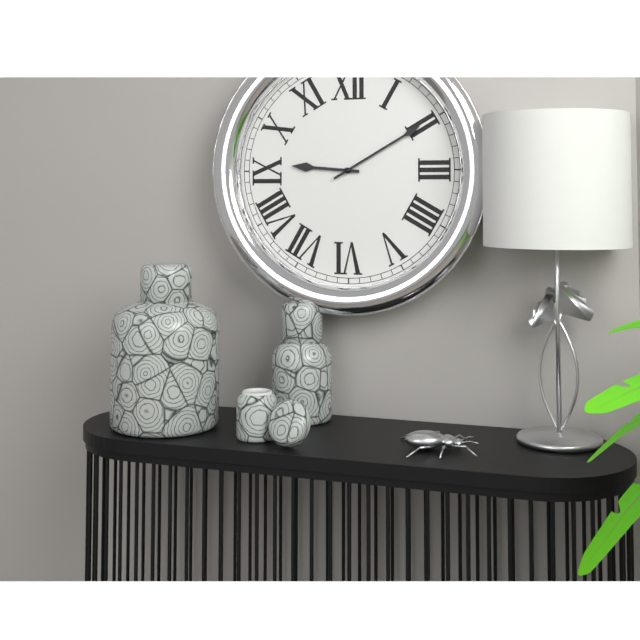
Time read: **9:10**
